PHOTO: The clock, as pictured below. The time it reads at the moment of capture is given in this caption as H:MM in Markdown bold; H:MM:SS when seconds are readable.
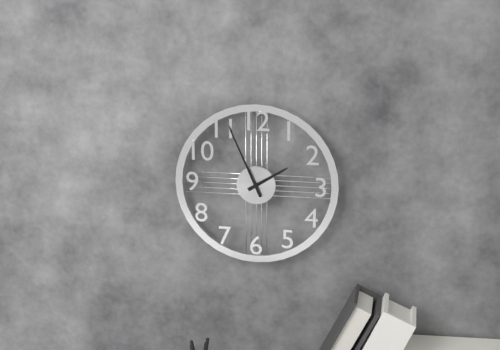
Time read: **1:56**
